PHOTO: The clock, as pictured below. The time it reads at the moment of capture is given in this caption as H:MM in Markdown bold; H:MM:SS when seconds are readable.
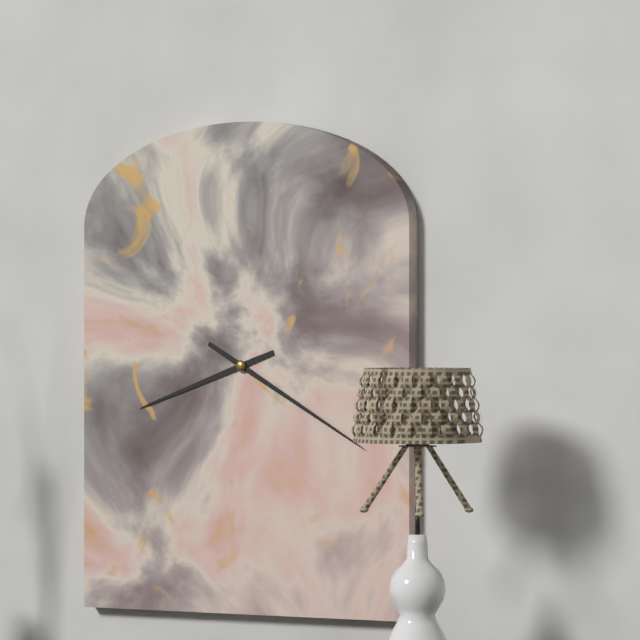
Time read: **8:20**
